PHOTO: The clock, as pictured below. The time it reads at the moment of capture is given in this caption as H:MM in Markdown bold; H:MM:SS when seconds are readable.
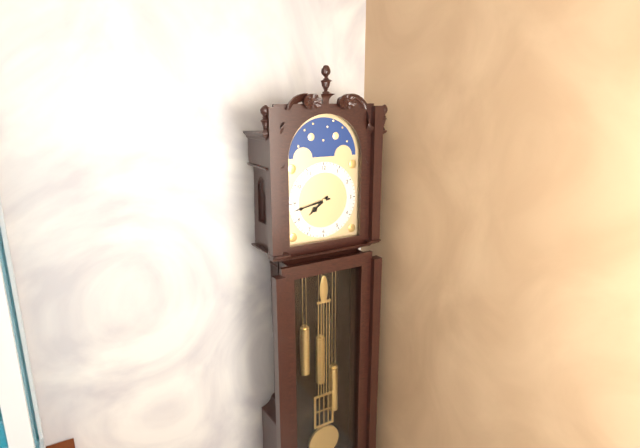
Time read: **7:43**
